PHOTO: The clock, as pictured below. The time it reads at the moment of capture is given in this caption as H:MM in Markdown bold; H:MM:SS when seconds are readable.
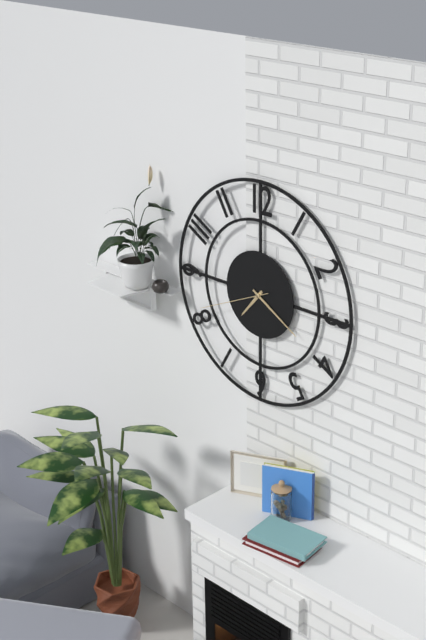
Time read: **7:20:41**
